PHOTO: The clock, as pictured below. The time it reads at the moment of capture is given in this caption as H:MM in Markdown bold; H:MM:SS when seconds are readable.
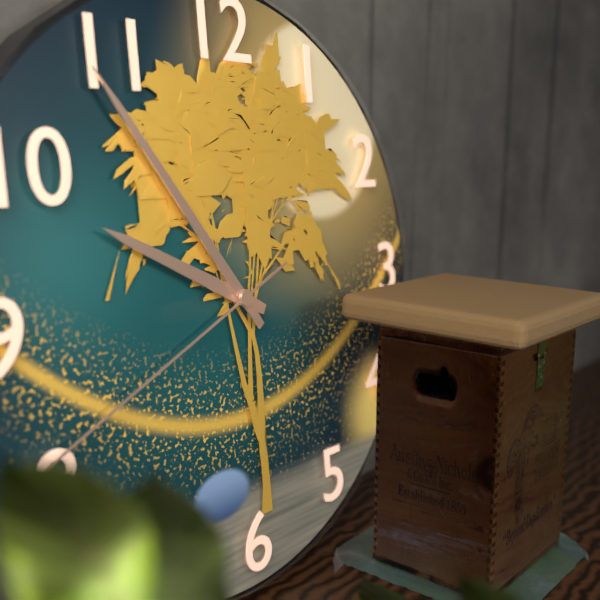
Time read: **9:54:41**
